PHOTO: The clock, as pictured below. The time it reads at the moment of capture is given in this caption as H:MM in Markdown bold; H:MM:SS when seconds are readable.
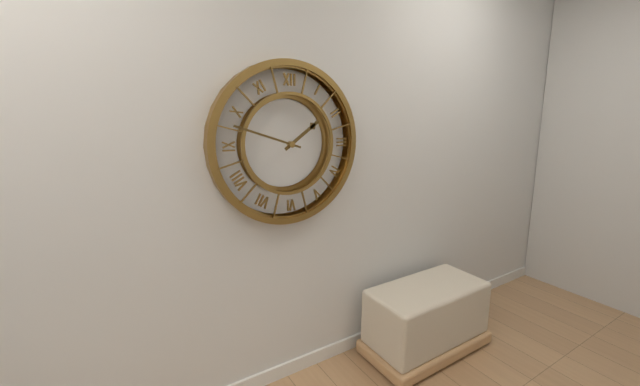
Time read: **1:48**
